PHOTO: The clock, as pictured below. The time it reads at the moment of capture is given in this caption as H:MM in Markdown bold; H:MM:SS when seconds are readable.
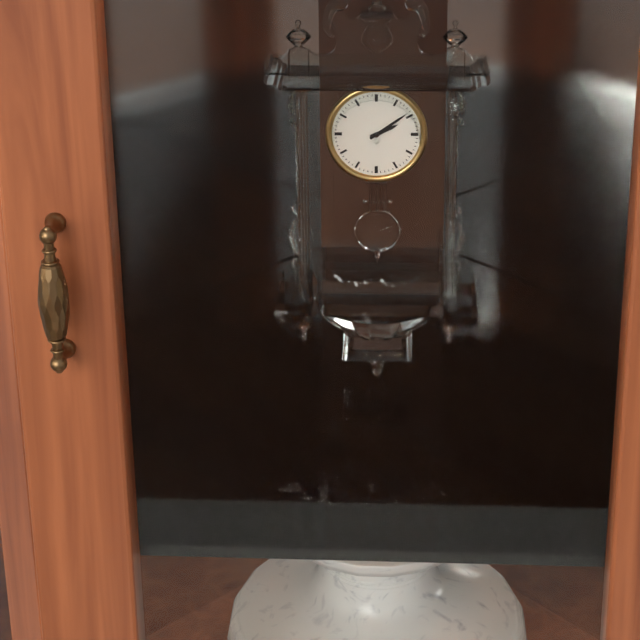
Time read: **2:09**
